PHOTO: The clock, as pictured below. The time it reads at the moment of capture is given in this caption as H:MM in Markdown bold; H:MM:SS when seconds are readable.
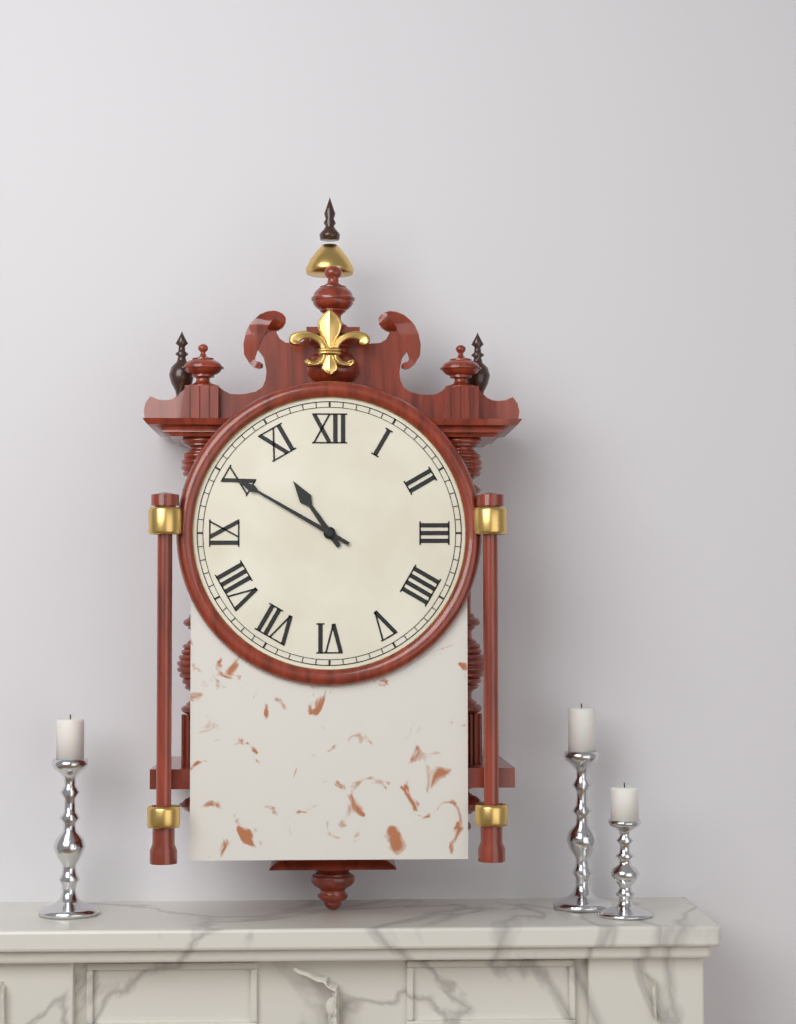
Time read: **10:50**
